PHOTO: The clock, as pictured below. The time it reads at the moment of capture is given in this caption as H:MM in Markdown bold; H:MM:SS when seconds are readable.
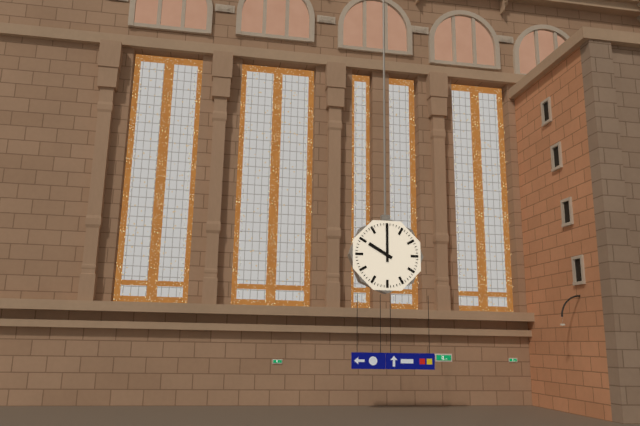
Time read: **10:00**
